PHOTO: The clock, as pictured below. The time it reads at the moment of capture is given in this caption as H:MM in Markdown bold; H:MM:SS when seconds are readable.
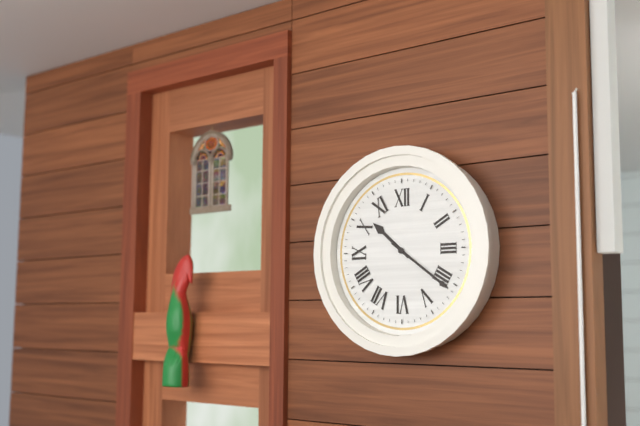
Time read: **10:21**
